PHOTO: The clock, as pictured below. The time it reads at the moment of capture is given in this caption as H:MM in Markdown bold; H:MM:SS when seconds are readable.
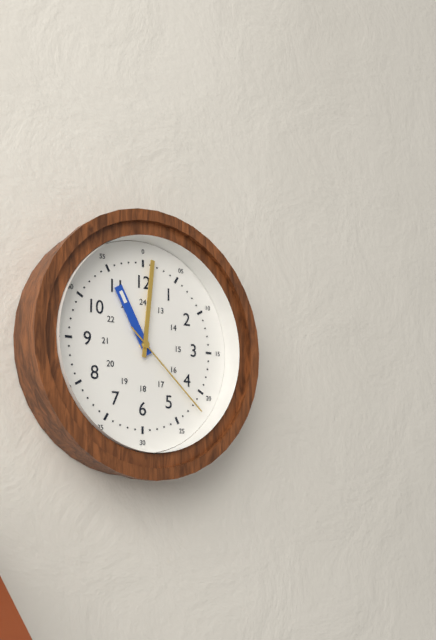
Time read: **11:01:22**
